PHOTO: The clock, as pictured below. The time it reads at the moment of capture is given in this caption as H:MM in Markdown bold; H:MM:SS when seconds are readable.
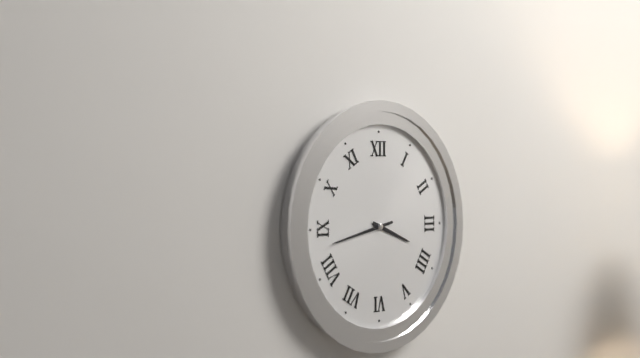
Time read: **3:43**
